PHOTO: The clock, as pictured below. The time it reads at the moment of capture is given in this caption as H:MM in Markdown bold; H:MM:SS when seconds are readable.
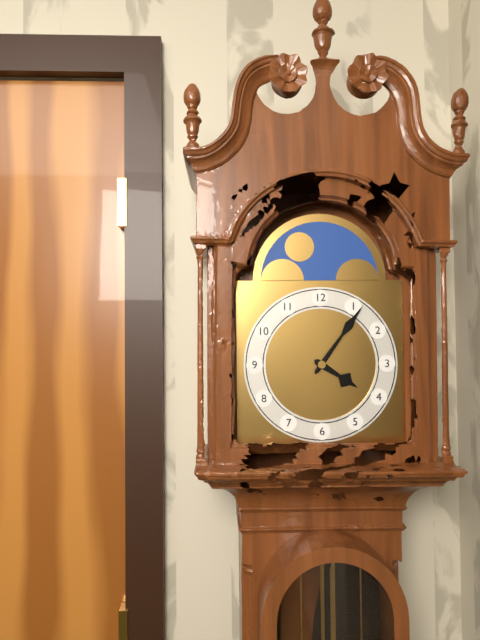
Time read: **4:06**
